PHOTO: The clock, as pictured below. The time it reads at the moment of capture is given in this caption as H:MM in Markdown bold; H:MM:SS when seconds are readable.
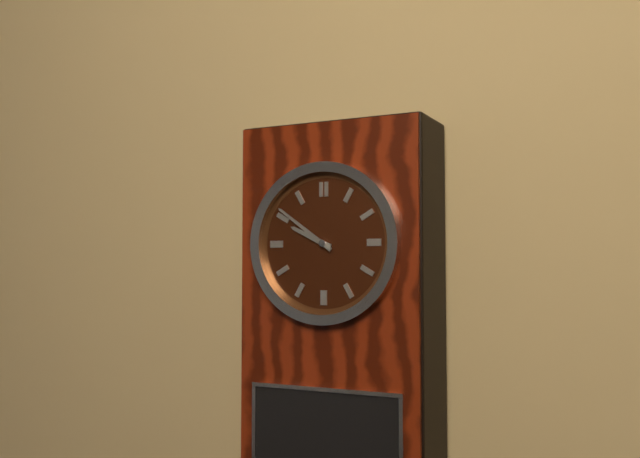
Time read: **9:51**
